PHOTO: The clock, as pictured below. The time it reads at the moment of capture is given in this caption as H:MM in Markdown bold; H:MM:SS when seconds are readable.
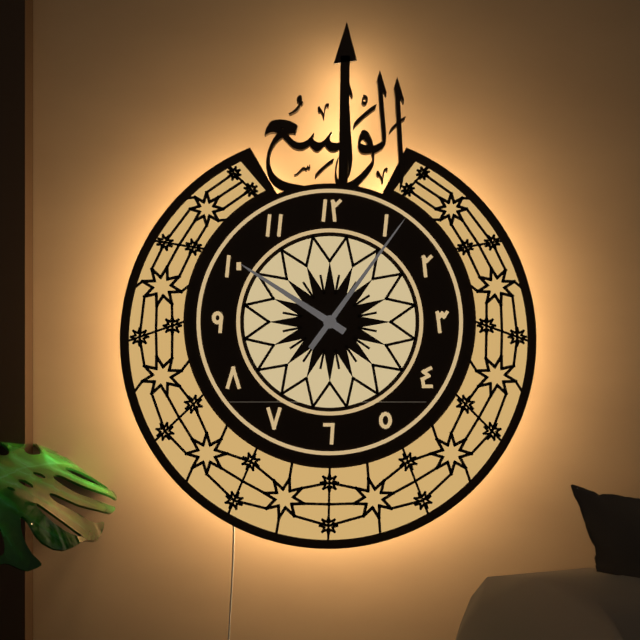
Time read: **10:06**
